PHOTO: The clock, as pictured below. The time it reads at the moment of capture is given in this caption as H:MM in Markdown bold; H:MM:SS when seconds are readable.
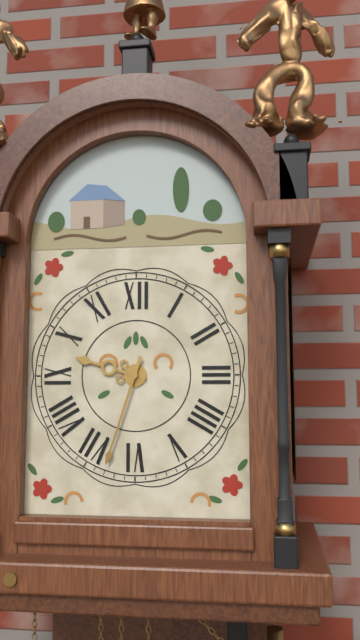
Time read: **9:33**
